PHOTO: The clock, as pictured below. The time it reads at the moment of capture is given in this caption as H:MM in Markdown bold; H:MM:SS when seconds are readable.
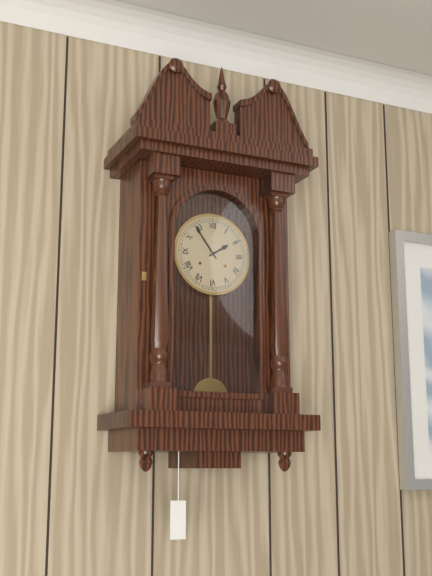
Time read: **1:54**
